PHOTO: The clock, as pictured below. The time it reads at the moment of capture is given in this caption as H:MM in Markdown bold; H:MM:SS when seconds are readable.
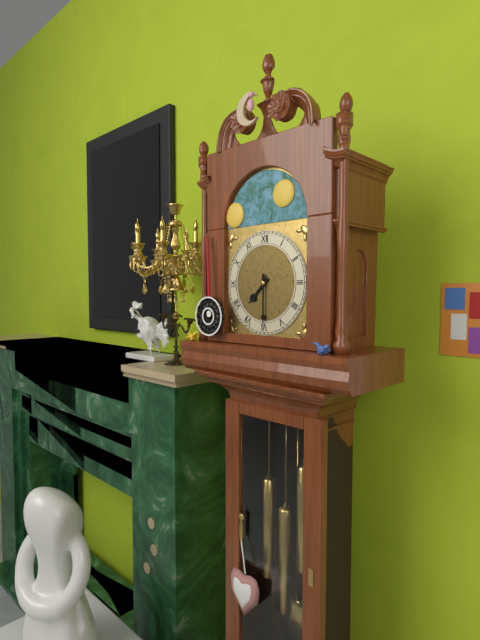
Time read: **7:30**
